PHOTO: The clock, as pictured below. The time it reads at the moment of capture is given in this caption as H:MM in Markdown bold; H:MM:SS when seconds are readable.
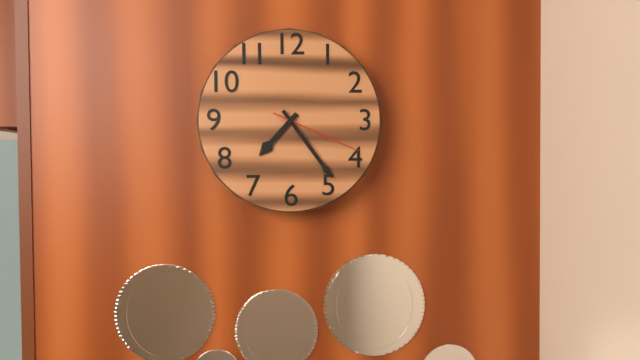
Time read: **7:24:19**
